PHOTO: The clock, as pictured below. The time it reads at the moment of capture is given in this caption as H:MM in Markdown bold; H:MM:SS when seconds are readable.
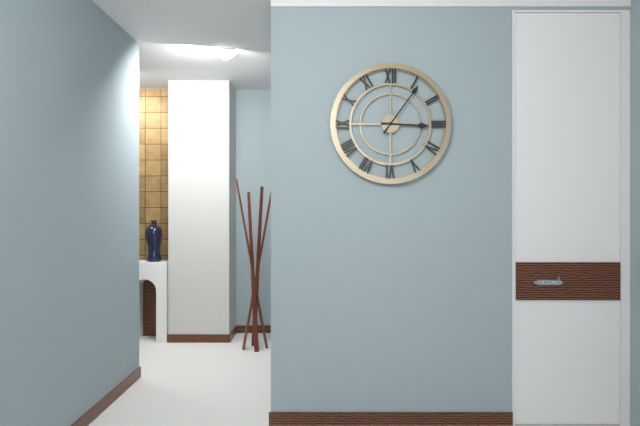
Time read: **3:06**
